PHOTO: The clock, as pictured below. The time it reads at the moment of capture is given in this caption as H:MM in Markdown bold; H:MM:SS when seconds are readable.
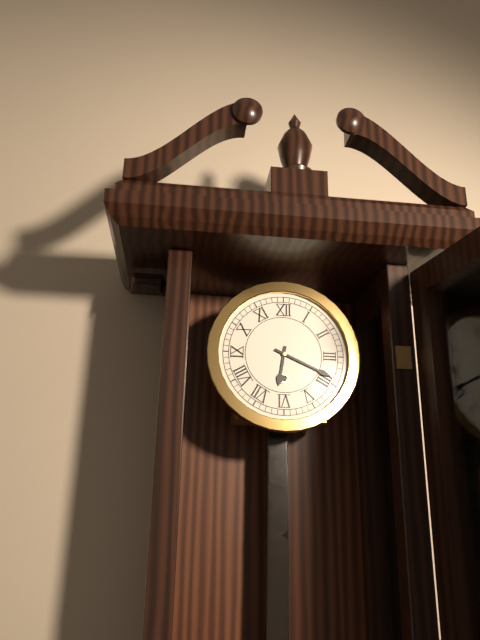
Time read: **6:19**
